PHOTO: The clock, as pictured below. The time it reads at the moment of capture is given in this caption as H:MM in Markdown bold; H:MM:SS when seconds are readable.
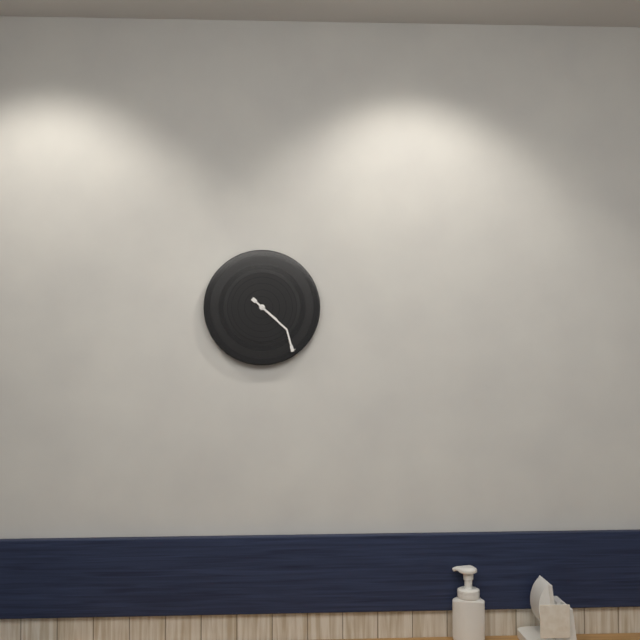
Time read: **4:22**
